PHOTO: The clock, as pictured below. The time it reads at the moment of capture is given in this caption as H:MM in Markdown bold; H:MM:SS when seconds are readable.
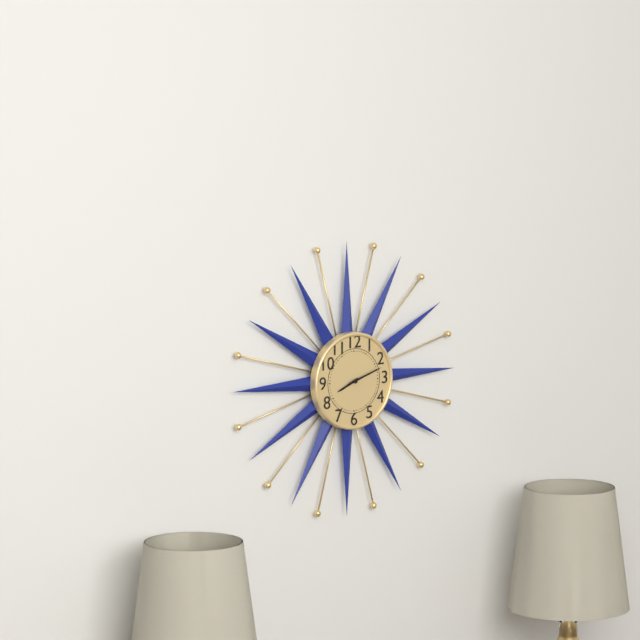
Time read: **8:12**
